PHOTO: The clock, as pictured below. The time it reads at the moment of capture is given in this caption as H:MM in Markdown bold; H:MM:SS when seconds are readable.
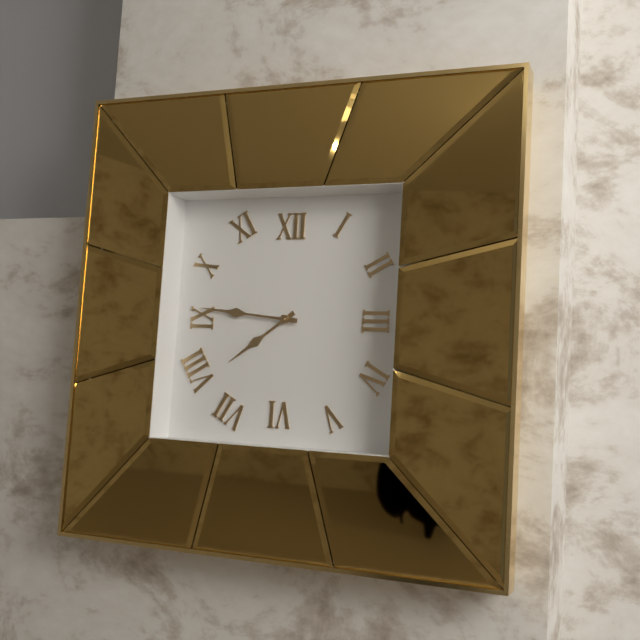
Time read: **7:46**
